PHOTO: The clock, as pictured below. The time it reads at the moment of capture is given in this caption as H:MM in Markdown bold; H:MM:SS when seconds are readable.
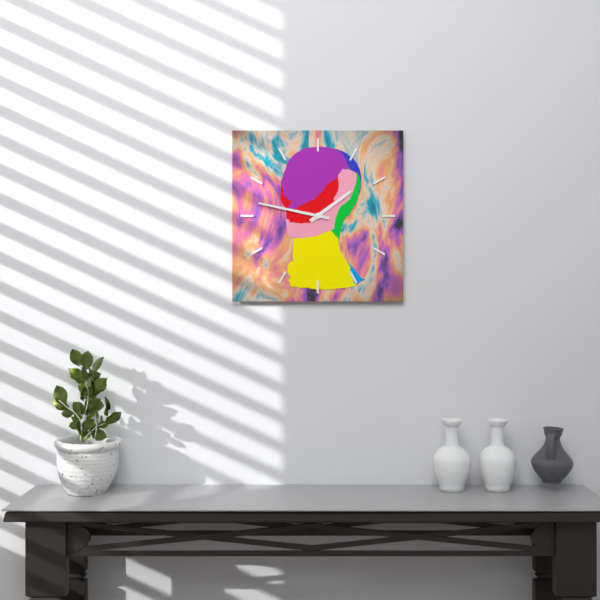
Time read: **1:47**
